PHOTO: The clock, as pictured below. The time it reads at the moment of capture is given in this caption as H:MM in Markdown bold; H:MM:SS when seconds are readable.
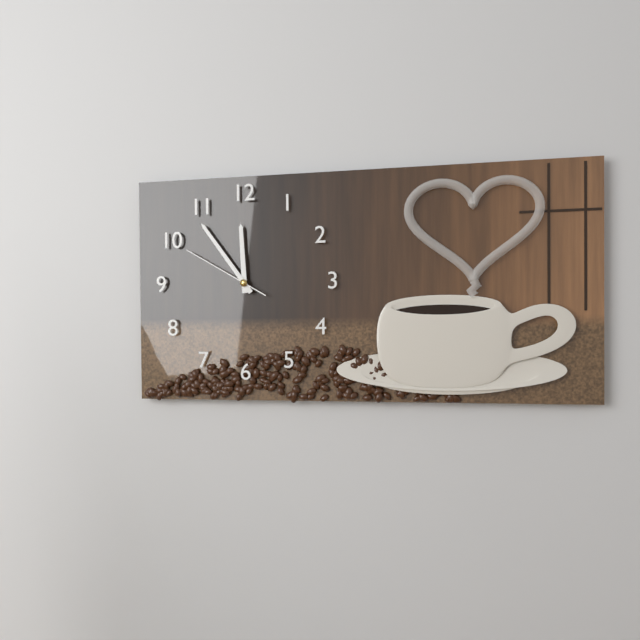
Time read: **11:54:50**
